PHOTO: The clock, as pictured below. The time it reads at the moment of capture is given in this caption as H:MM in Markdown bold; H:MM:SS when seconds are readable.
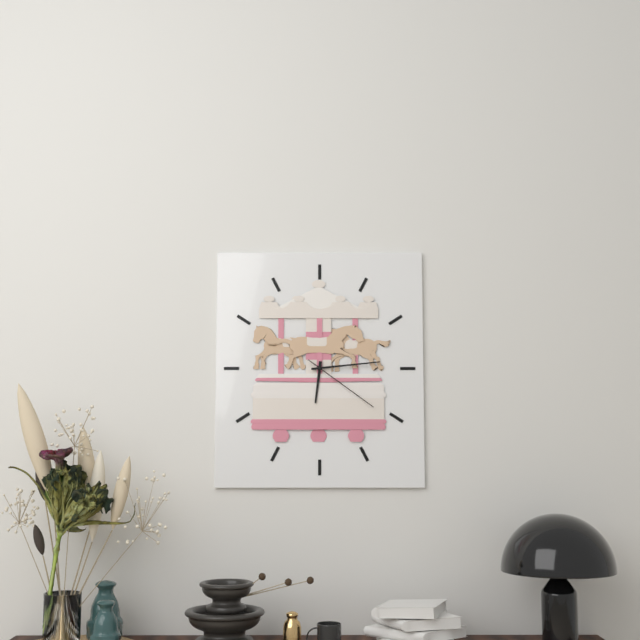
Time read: **6:14:21**
